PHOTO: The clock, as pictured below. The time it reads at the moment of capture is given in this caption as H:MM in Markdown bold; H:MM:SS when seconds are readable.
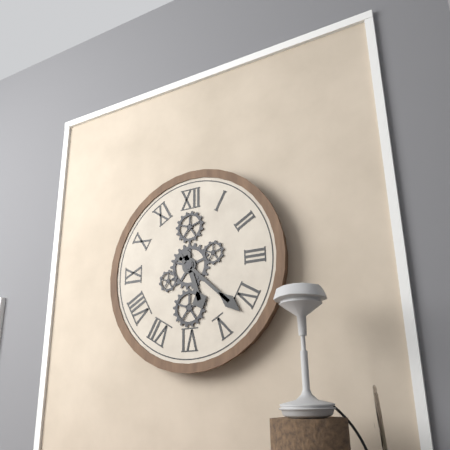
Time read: **5:22**
